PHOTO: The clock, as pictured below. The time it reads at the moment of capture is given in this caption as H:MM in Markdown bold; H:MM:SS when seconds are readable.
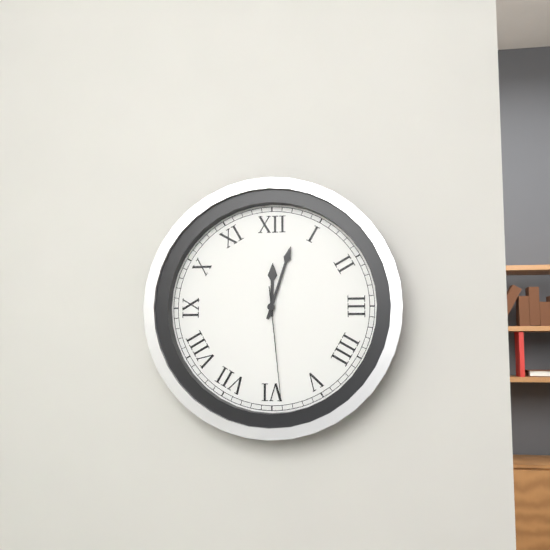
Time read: **12:03:29**
